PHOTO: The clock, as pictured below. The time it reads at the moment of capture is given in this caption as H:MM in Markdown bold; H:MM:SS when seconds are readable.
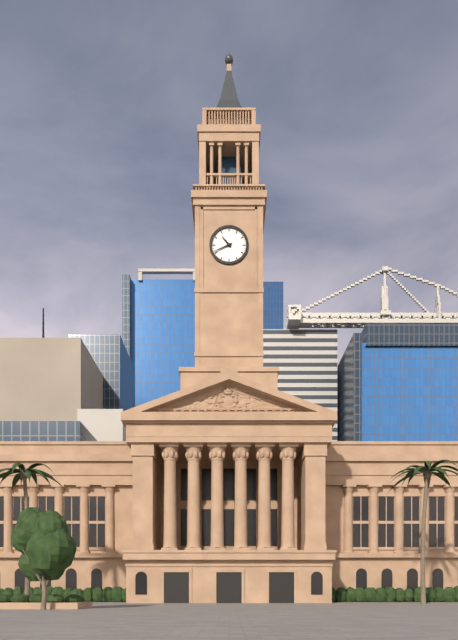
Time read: **10:41**
